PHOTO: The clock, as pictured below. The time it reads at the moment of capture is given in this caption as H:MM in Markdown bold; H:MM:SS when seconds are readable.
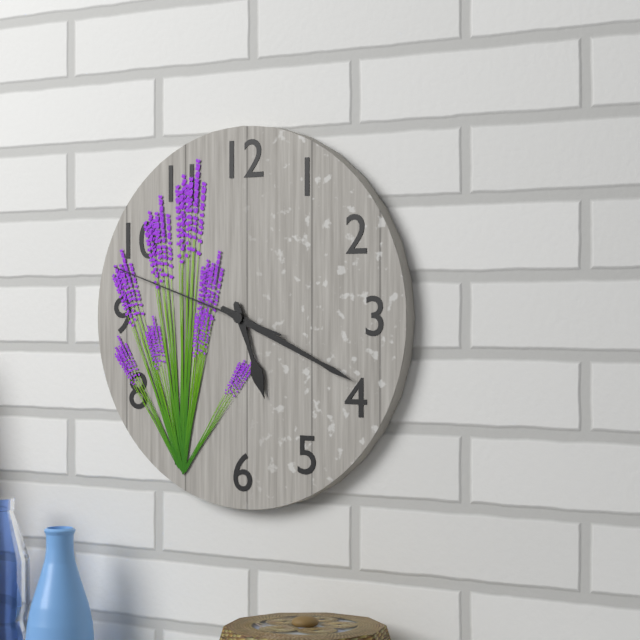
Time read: **5:19:48**
